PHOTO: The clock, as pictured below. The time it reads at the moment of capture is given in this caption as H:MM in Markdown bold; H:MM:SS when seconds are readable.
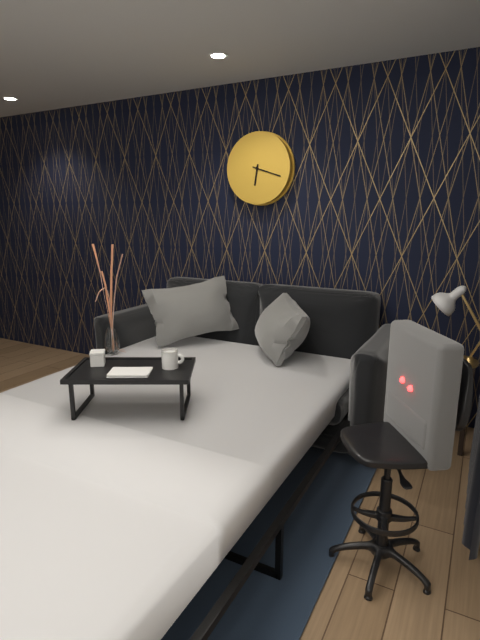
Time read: **6:18**
